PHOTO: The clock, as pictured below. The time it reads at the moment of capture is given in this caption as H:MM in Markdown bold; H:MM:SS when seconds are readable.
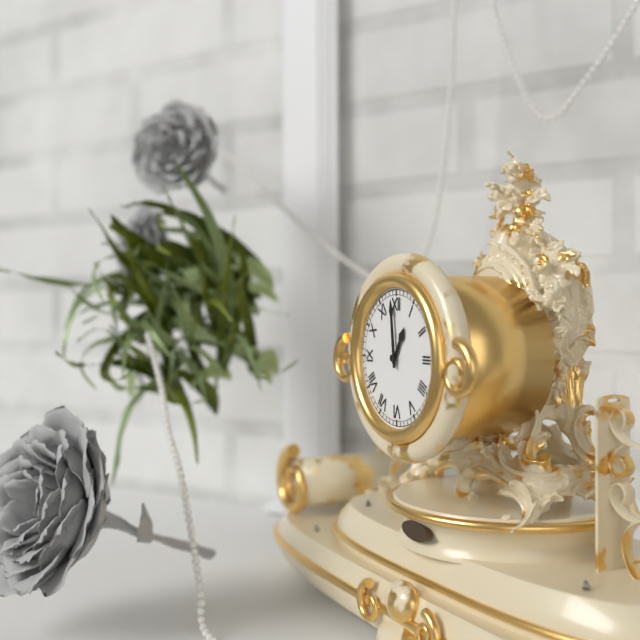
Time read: **12:59**
